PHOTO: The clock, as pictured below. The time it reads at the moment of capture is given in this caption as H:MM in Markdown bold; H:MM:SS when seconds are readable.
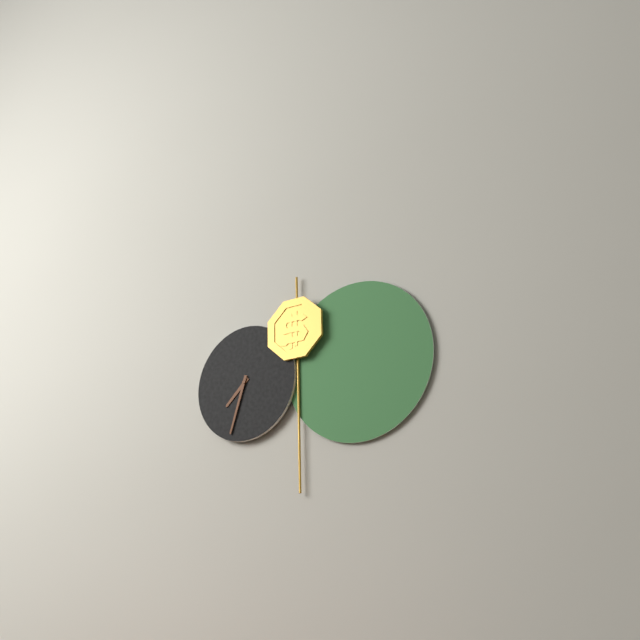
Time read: **7:33**
